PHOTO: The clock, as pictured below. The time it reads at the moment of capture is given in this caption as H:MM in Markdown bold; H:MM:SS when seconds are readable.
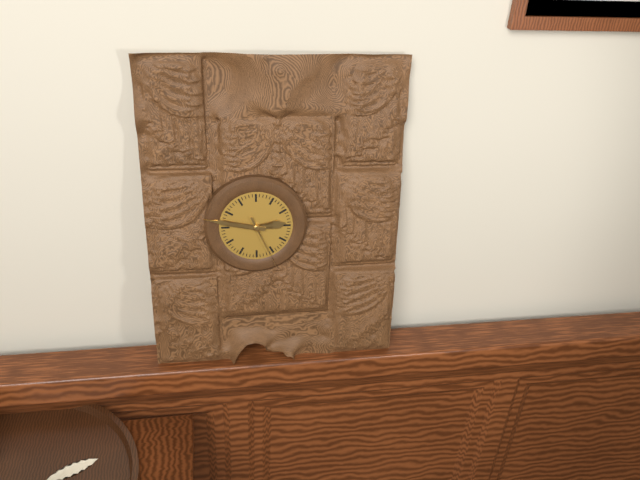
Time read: **2:47:26**
